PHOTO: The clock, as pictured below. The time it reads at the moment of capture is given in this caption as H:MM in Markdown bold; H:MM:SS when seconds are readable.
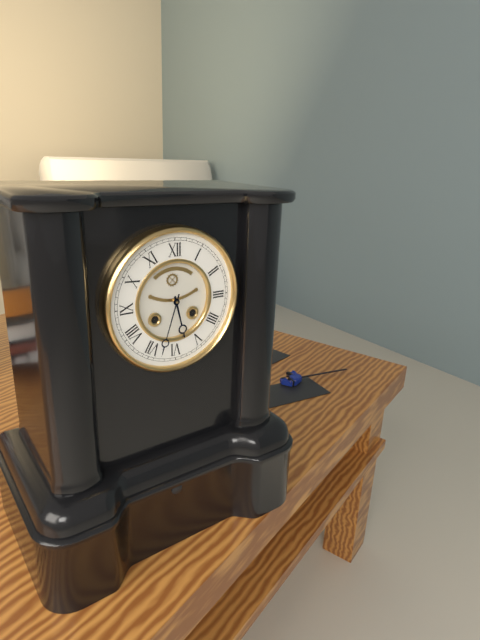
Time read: **5:33**
